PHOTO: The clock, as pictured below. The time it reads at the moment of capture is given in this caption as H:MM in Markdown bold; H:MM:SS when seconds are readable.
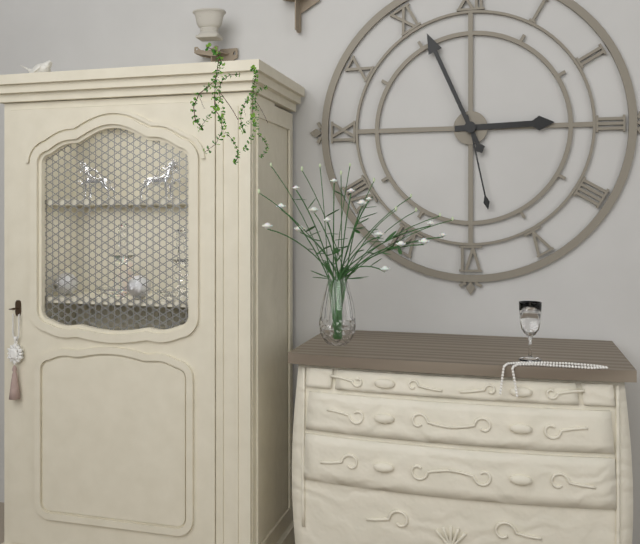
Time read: **2:56:28**
